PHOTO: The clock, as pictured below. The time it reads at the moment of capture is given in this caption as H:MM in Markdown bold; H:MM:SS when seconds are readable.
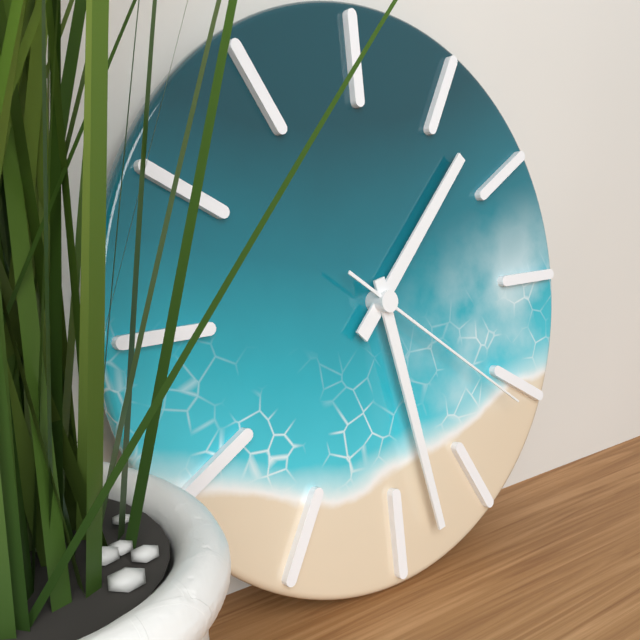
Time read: **1:28:21**
